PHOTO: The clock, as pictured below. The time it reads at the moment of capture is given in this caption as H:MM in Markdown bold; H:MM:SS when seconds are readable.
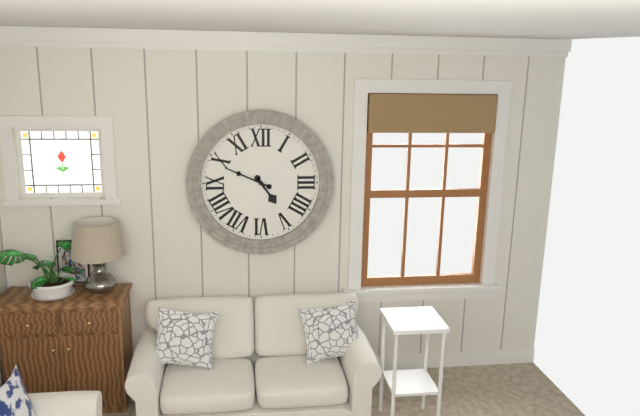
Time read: **4:49**
